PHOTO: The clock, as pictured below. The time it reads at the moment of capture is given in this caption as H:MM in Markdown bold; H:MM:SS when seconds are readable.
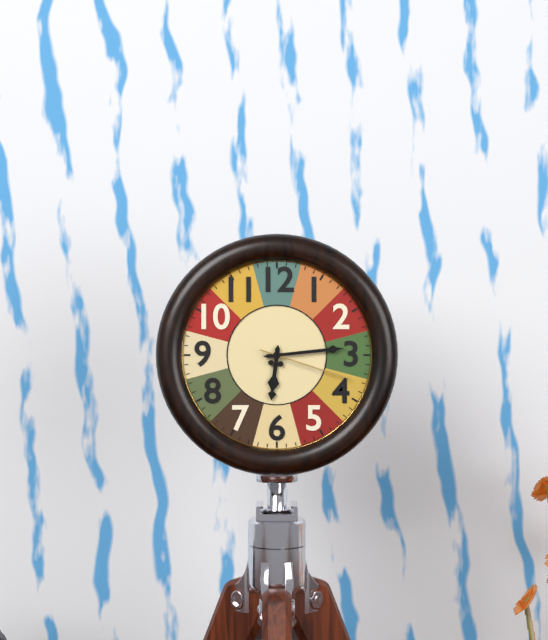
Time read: **6:14:18**
